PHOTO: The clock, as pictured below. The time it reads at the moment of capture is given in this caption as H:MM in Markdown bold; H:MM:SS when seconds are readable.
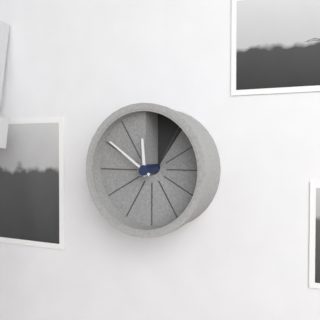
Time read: **11:51**
